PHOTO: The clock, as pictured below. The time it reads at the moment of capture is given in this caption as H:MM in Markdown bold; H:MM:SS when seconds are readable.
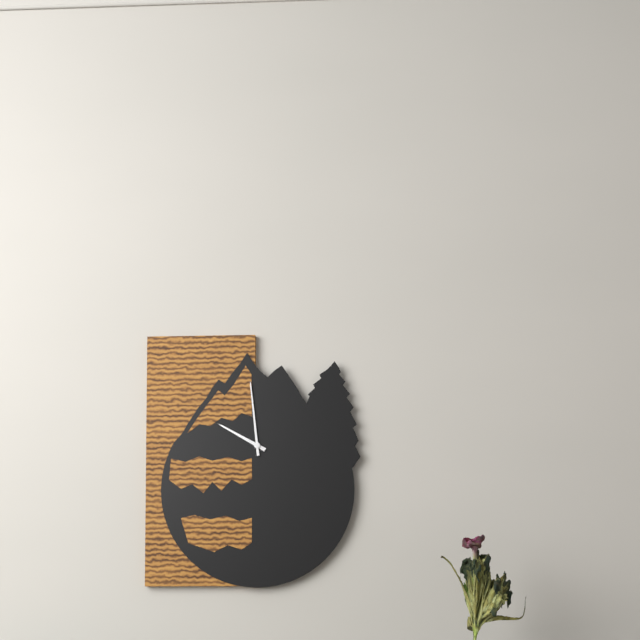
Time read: **9:59**
